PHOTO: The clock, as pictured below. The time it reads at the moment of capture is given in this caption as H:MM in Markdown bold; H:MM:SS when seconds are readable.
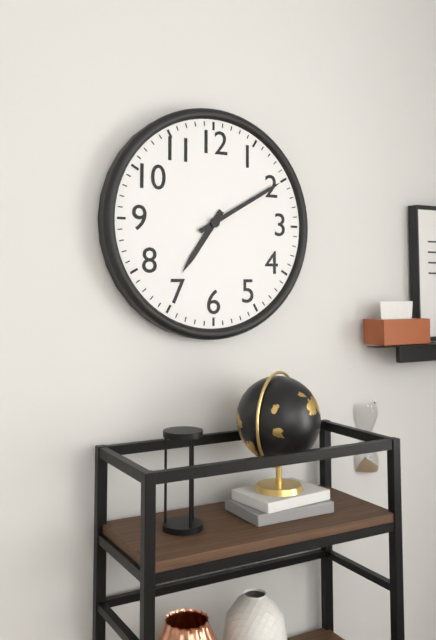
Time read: **7:10**
